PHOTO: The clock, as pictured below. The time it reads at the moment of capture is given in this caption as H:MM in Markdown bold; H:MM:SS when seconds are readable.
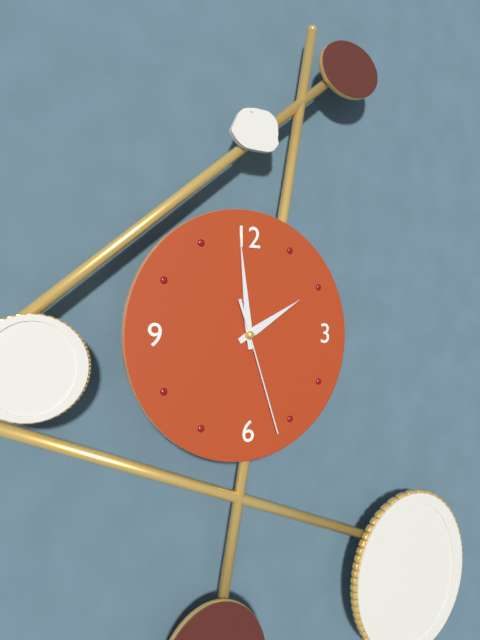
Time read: **1:59:27**
